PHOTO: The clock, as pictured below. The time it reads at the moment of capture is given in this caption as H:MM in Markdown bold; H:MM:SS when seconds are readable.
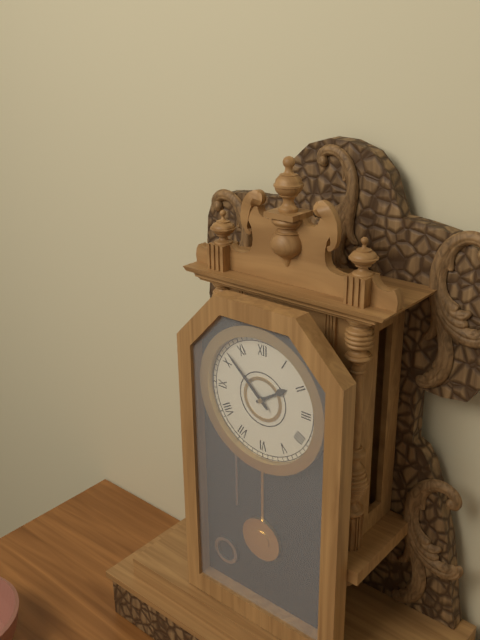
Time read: **1:52**
